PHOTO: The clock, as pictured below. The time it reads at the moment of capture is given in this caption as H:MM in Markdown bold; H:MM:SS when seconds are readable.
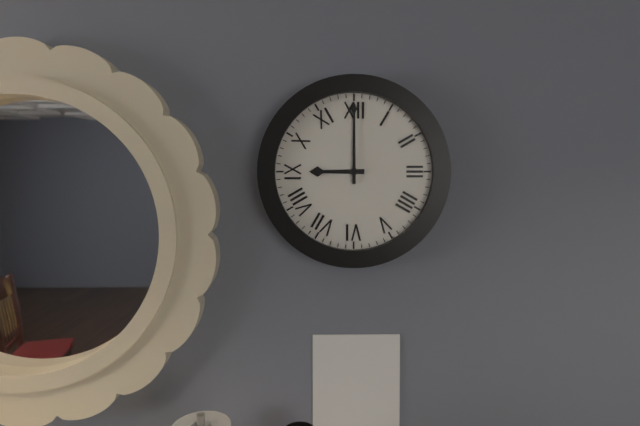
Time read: **9:00**
